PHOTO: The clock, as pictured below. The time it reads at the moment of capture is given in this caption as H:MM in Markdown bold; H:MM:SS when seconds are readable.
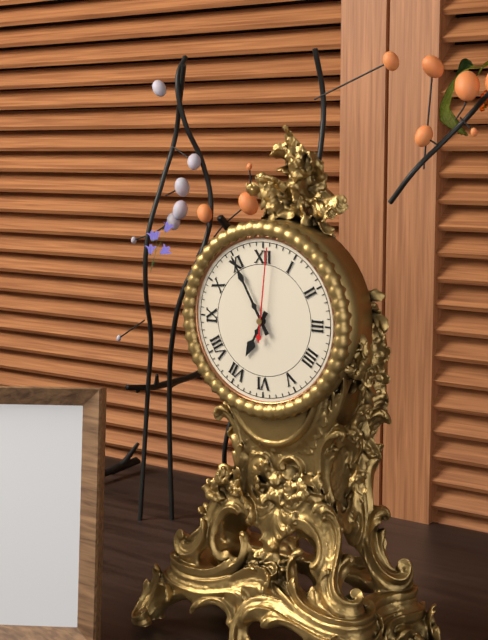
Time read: **6:55:01**
